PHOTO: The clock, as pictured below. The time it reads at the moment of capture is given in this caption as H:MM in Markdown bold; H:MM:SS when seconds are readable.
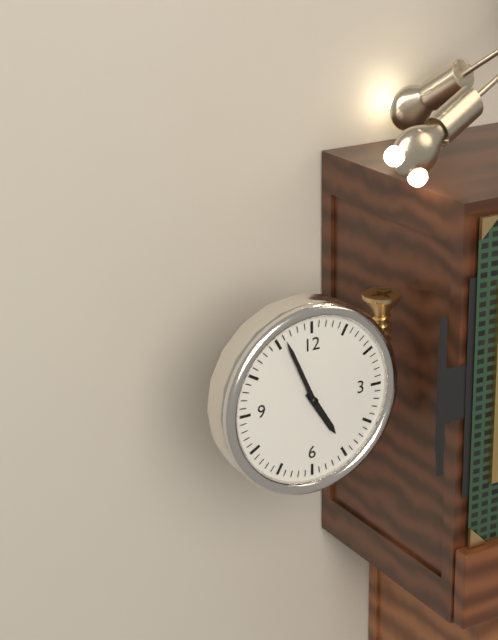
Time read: **4:56**
